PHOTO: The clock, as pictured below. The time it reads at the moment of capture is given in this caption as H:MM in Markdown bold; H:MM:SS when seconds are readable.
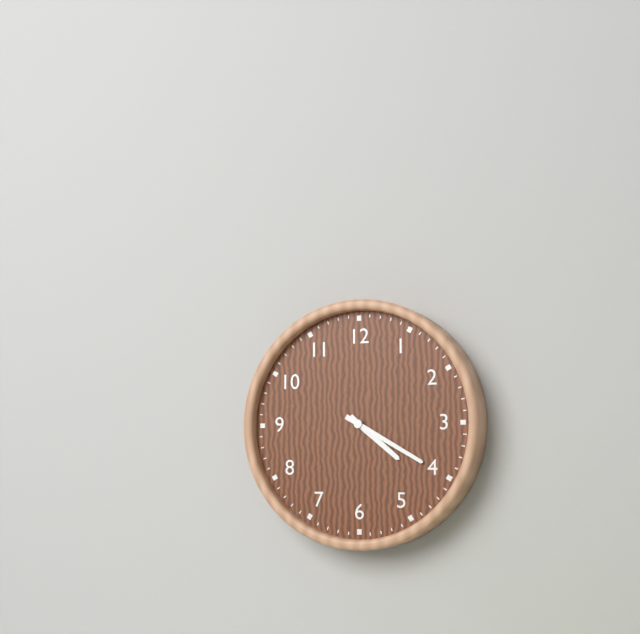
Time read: **4:20**
